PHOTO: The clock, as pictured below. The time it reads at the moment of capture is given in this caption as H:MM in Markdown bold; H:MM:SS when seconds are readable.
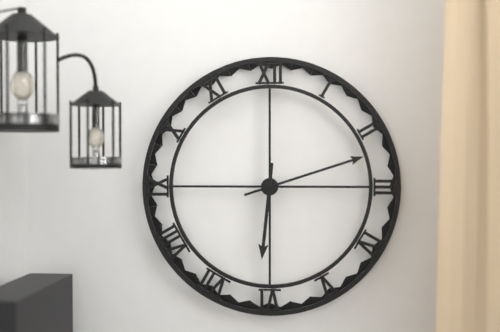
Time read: **6:12**
